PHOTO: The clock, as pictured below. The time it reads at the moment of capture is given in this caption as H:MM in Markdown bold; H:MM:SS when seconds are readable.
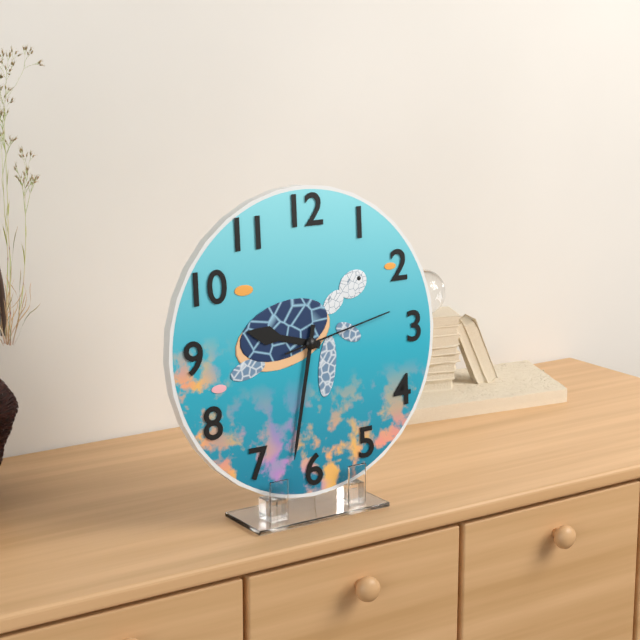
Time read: **9:32:13**
